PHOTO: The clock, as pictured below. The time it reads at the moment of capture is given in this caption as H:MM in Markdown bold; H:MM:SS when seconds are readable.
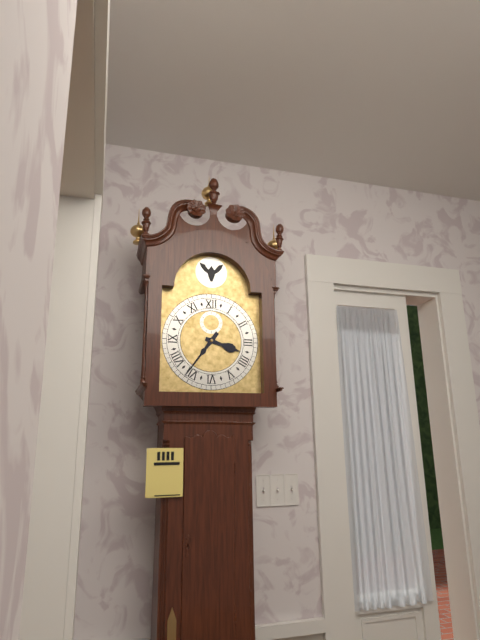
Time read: **3:36**
